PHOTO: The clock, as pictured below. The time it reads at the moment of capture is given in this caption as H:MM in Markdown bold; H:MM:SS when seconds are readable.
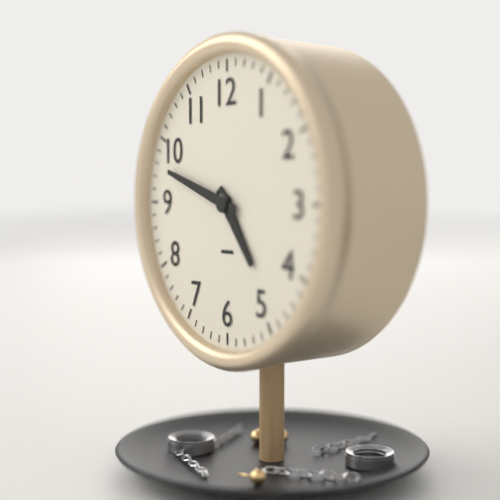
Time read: **4:48**
